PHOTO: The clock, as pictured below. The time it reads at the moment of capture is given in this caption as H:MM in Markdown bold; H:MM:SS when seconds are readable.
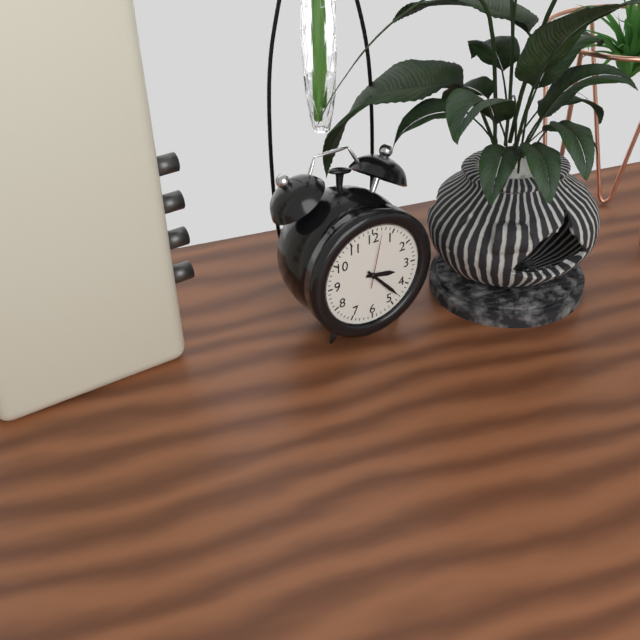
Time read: **3:23:02**
